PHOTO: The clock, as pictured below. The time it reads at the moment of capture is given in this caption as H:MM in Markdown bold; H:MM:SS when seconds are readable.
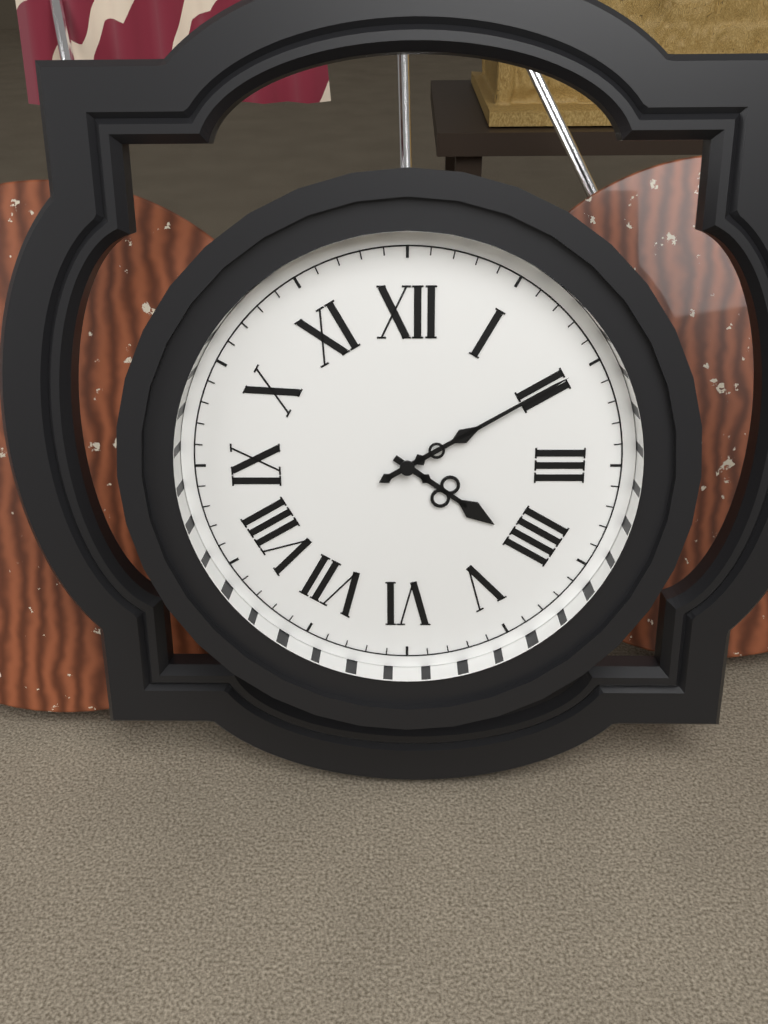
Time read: **4:10**
